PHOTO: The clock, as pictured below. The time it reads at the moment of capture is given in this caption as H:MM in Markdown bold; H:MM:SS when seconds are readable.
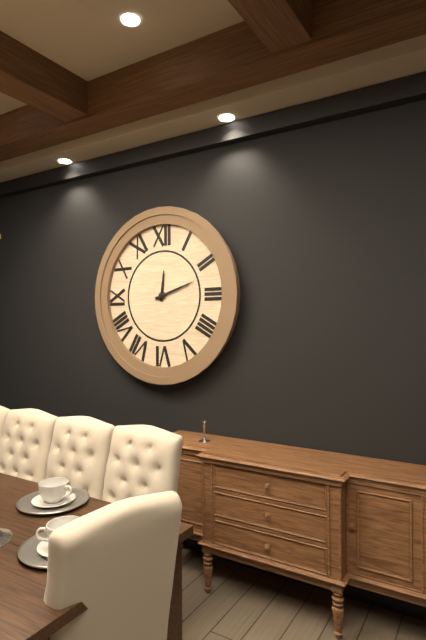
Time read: **12:12**
